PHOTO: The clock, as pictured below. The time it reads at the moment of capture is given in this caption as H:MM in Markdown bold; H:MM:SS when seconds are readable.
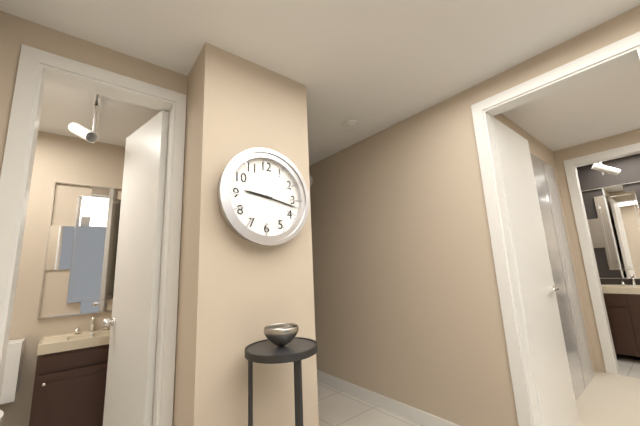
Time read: **9:17**
